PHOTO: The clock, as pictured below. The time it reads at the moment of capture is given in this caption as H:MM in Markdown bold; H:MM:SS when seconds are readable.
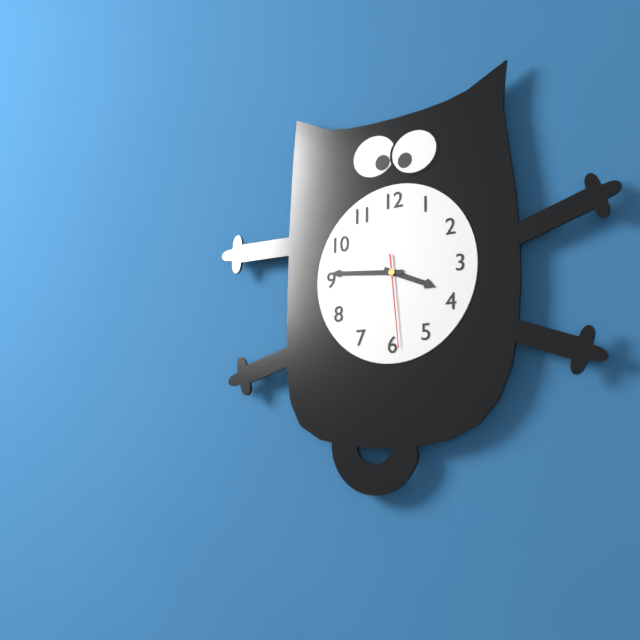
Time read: **3:46:29**
